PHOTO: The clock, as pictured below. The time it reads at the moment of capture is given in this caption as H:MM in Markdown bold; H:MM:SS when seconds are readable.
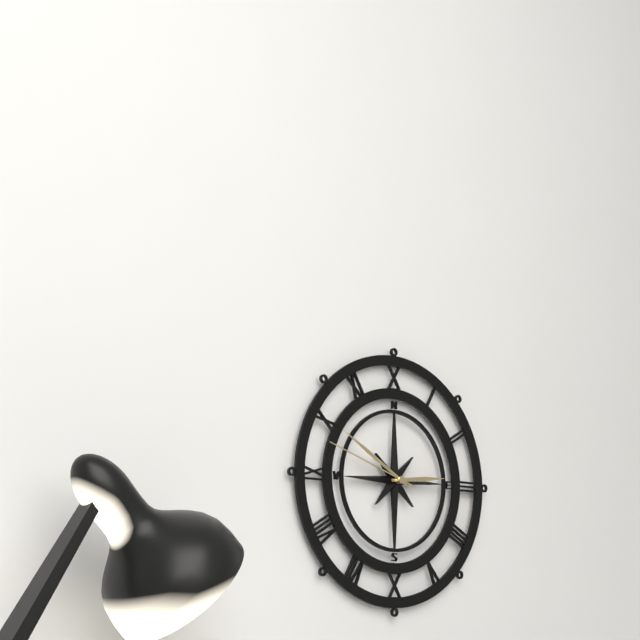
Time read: **2:50:48**
